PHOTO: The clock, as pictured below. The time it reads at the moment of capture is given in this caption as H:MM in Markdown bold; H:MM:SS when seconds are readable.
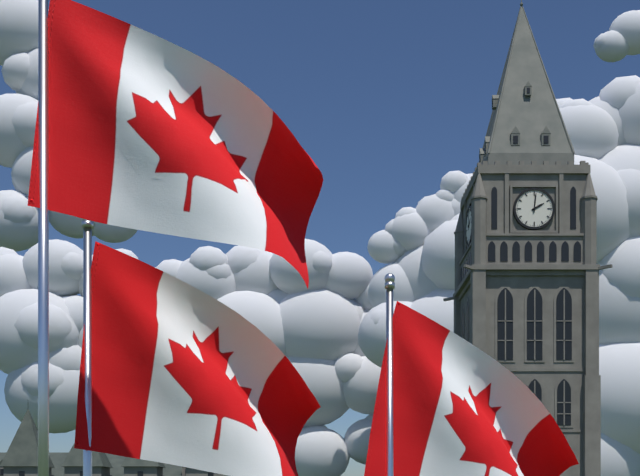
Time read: **2:01**
